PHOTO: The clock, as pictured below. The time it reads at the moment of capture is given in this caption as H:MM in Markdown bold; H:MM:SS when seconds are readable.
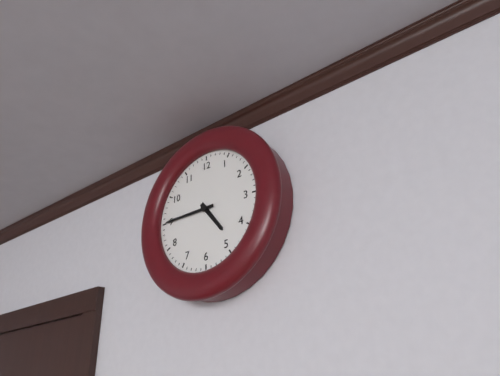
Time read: **4:45**
